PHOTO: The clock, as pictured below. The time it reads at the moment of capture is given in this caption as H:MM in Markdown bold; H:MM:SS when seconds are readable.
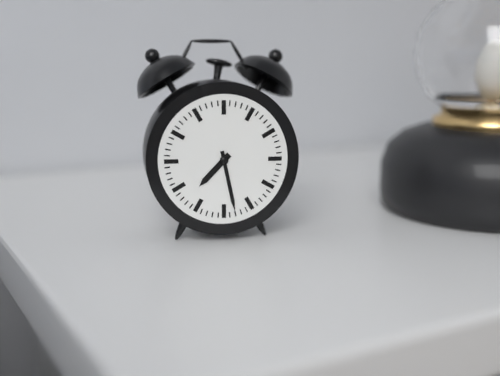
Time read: **7:28**
